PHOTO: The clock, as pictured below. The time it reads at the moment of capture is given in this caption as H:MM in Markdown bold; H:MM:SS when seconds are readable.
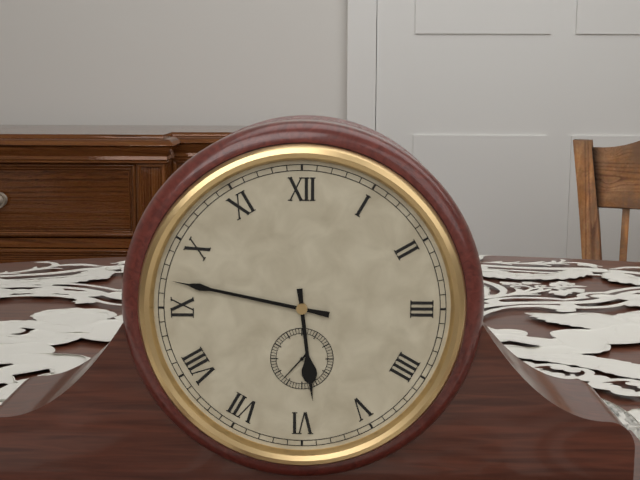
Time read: **5:47:37**
